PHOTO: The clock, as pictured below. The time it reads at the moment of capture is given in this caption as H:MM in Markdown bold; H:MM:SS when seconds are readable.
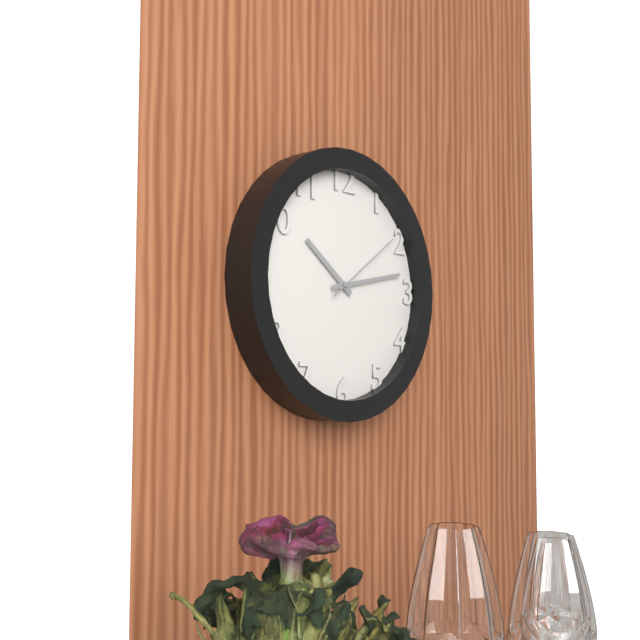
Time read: **10:13:09**
